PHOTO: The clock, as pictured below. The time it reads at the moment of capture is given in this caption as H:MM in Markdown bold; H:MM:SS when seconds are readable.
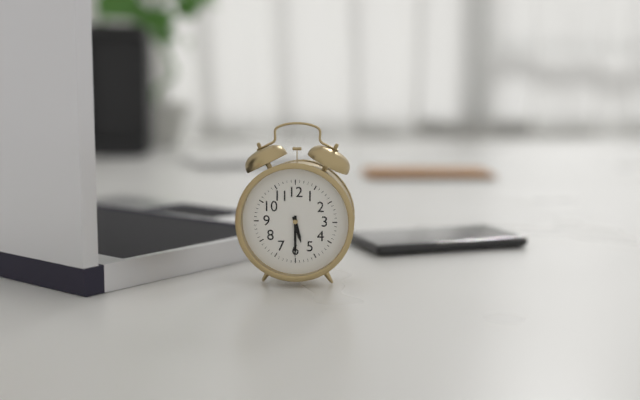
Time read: **5:30**
